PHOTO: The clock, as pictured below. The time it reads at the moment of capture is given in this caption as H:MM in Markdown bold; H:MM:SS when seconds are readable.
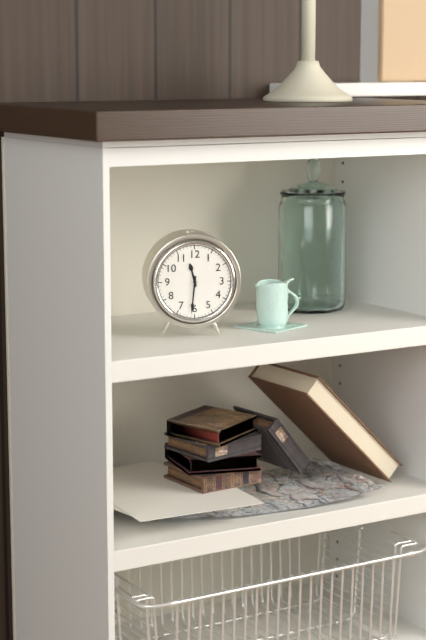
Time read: **11:31**
